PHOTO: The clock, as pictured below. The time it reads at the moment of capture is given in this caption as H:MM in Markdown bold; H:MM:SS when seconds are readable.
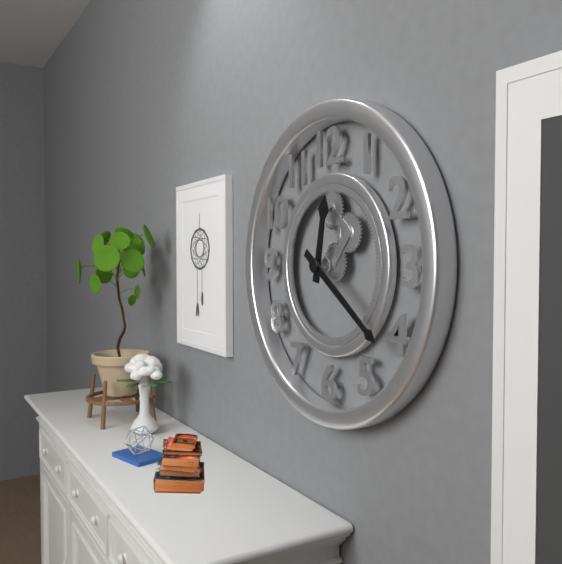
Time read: **12:21**
